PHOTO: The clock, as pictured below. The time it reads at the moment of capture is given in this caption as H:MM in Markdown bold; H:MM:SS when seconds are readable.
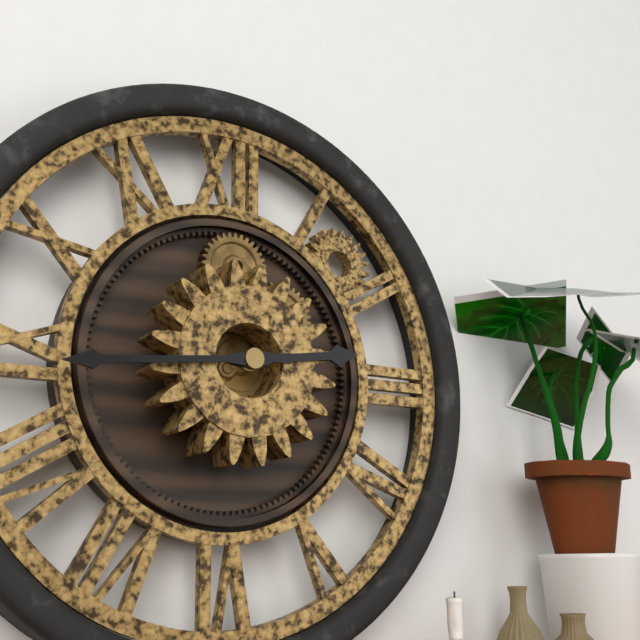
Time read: **2:44**
